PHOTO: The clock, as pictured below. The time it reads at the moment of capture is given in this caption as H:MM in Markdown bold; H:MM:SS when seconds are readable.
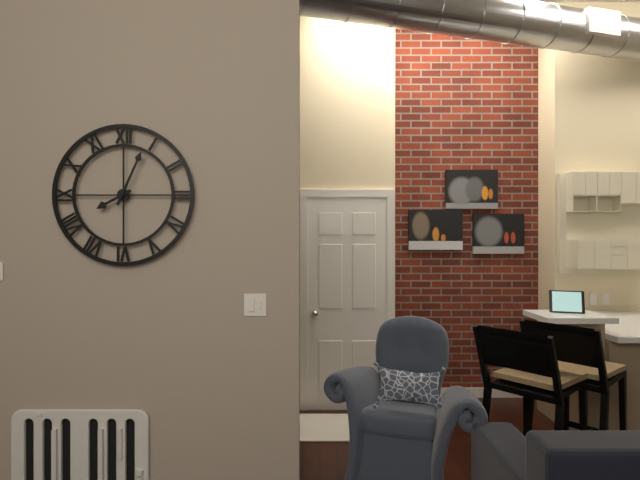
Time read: **8:04**
